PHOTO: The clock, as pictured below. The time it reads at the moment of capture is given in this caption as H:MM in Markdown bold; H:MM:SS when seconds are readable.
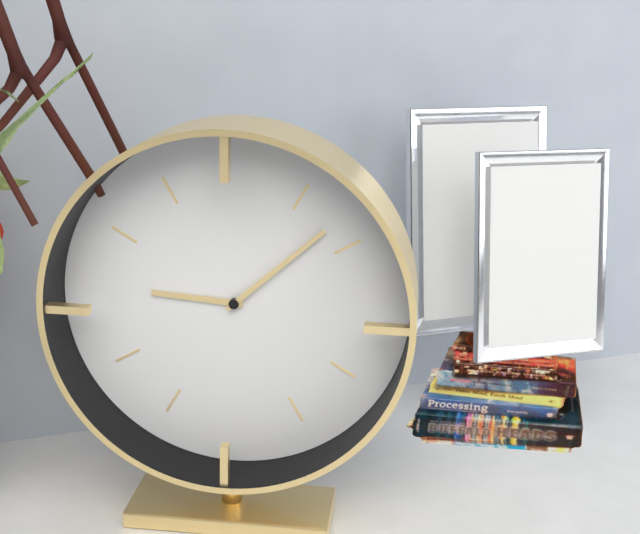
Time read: **9:08**
